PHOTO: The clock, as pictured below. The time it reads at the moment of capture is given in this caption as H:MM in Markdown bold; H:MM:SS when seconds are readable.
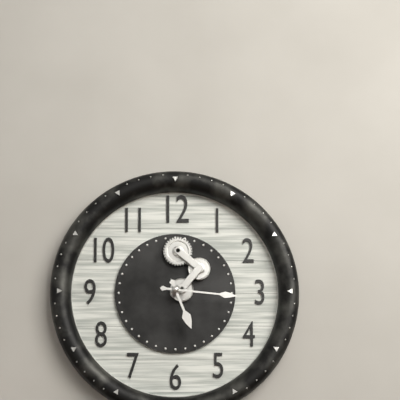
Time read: **5:16**
